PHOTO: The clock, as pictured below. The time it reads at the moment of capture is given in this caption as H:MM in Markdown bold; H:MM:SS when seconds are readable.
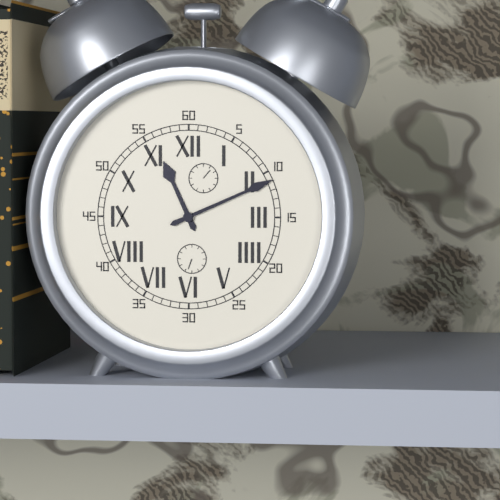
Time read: **11:11**
